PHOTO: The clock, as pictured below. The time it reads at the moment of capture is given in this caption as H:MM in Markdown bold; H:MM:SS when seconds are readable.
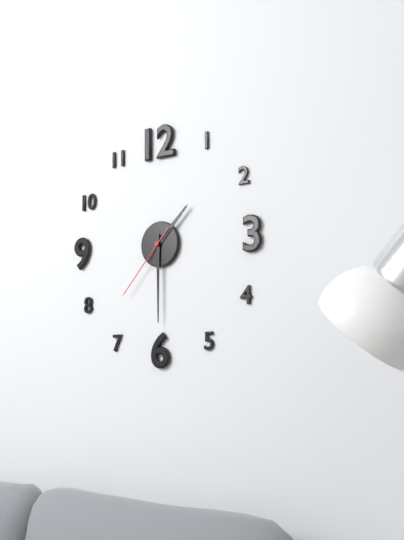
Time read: **1:30:37**
